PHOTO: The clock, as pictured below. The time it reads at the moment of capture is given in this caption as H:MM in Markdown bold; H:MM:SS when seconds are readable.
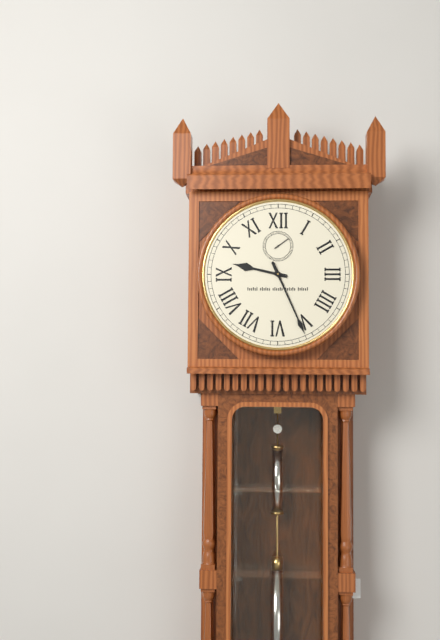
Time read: **9:26**
